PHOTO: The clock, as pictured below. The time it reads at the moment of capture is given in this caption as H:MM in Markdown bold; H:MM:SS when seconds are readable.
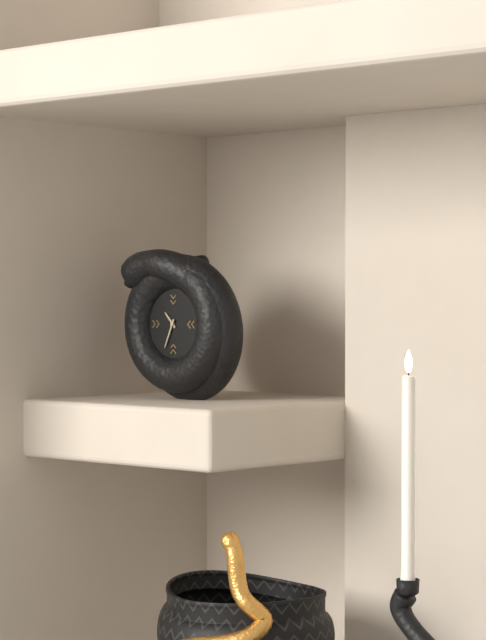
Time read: **10:34**
